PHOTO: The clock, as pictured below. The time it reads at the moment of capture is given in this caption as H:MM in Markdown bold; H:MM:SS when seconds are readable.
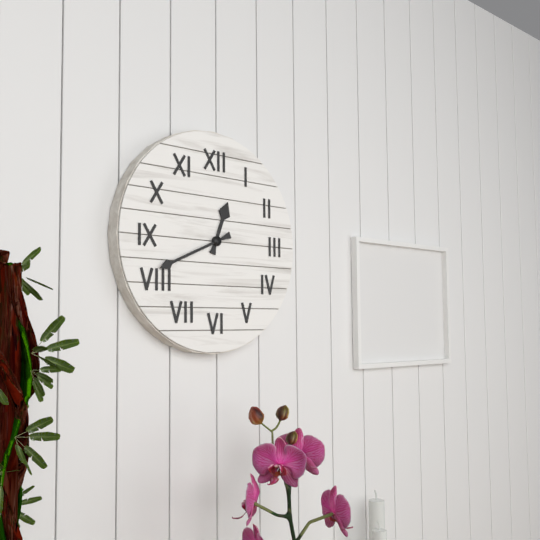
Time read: **12:41**
